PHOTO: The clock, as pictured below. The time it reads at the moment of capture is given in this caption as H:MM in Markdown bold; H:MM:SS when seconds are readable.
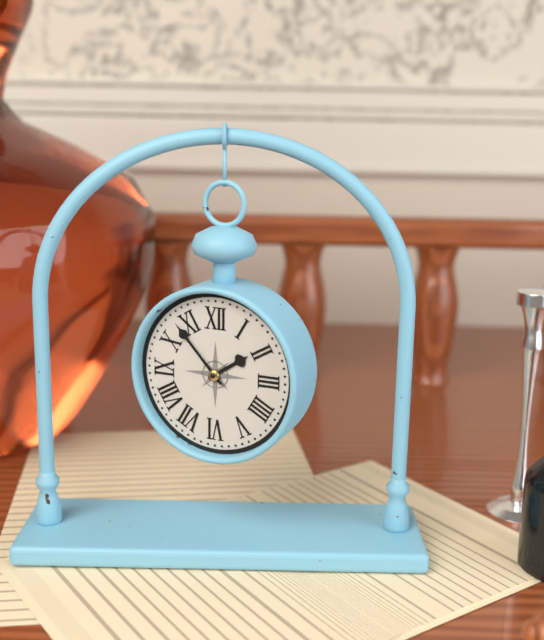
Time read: **1:53**
